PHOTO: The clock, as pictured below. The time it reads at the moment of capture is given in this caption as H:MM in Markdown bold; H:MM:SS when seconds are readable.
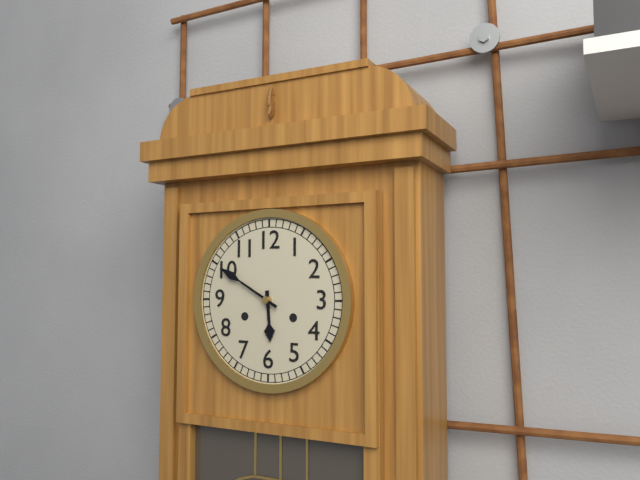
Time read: **5:50**
